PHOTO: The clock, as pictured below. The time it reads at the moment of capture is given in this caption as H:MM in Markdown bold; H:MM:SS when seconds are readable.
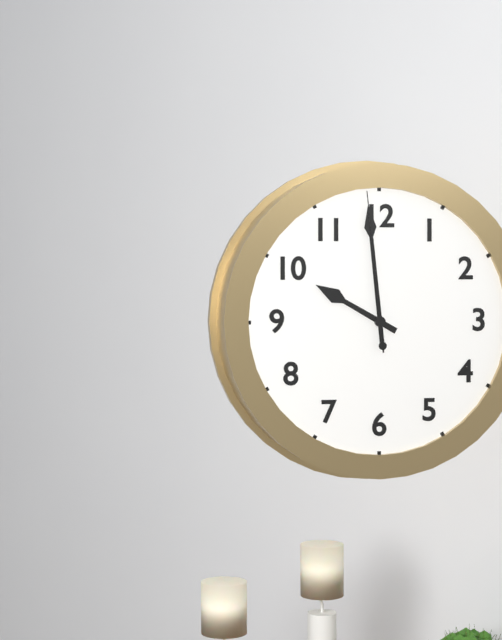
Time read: **9:59:59**
